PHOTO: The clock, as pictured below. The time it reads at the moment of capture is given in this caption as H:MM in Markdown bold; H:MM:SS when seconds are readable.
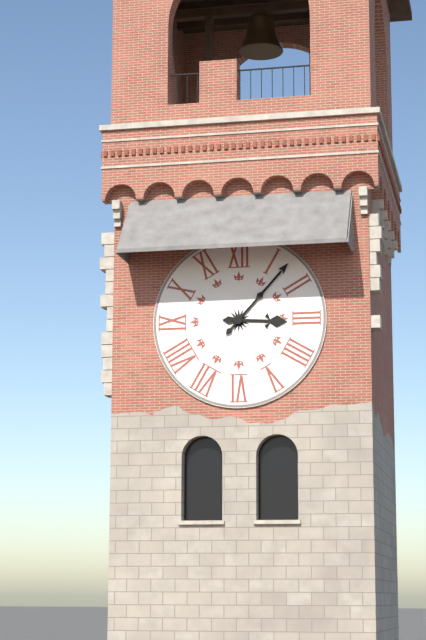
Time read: **3:07**
